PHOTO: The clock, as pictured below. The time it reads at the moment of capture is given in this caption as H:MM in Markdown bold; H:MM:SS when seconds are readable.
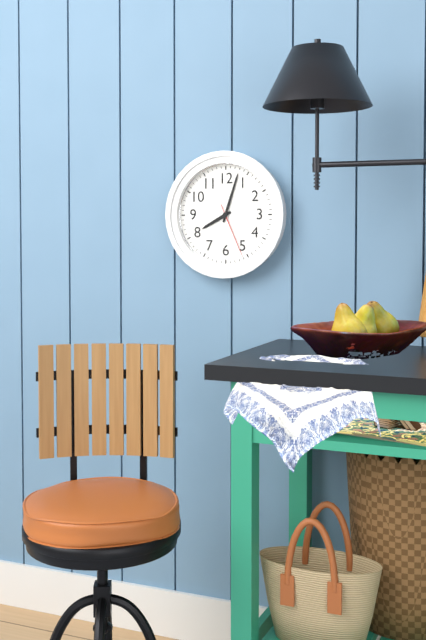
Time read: **8:03:26**
